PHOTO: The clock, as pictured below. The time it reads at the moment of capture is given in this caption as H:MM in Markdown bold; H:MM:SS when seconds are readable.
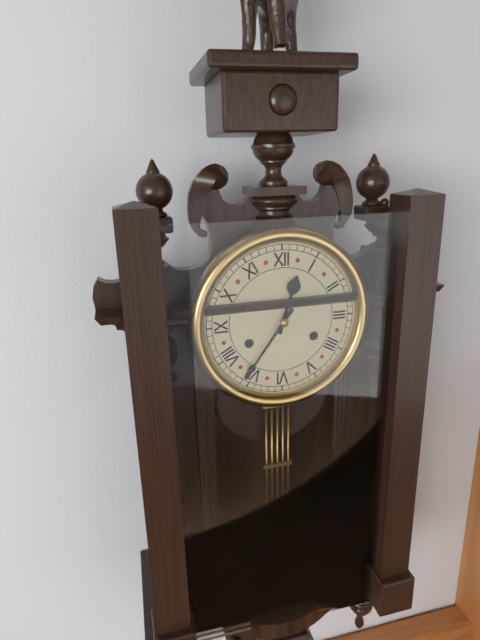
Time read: **12:36**
